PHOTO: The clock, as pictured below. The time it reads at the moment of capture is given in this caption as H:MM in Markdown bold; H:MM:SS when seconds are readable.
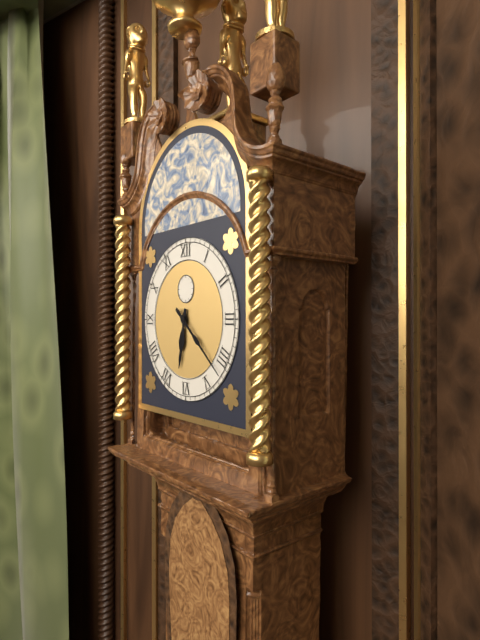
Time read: **6:22**
